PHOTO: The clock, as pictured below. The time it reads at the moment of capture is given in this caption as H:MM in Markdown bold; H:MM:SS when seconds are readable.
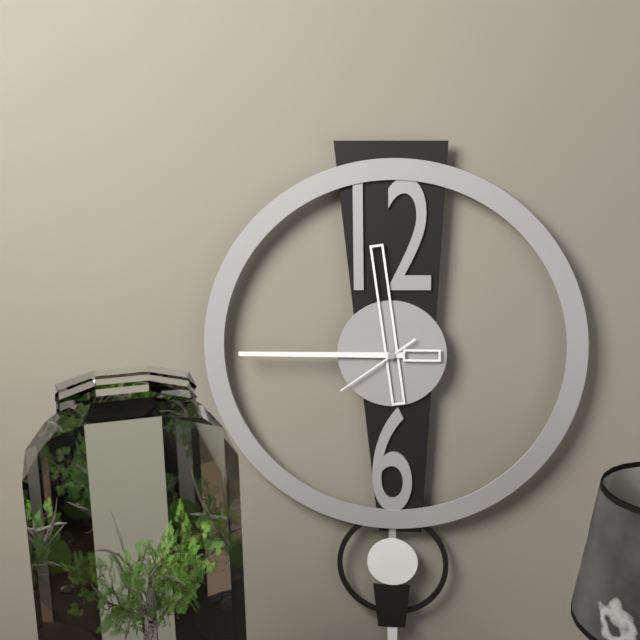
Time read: **11:45:39**
